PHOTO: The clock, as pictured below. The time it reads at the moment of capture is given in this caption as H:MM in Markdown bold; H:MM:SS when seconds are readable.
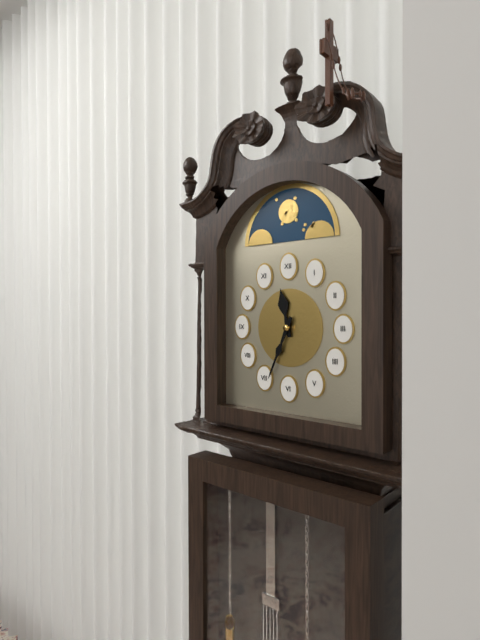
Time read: **11:34**
